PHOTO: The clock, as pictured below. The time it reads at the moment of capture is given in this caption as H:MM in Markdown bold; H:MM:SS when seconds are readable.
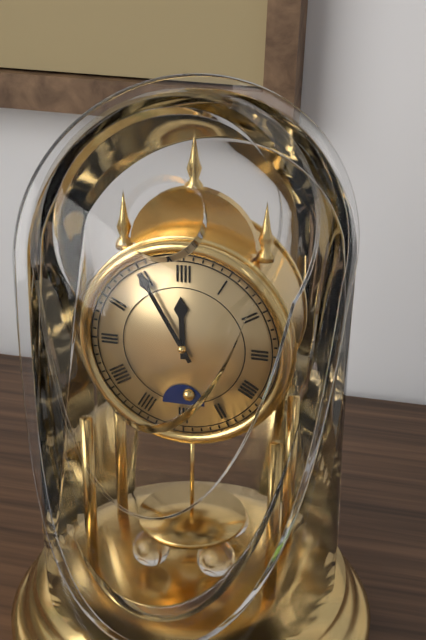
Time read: **11:55**
